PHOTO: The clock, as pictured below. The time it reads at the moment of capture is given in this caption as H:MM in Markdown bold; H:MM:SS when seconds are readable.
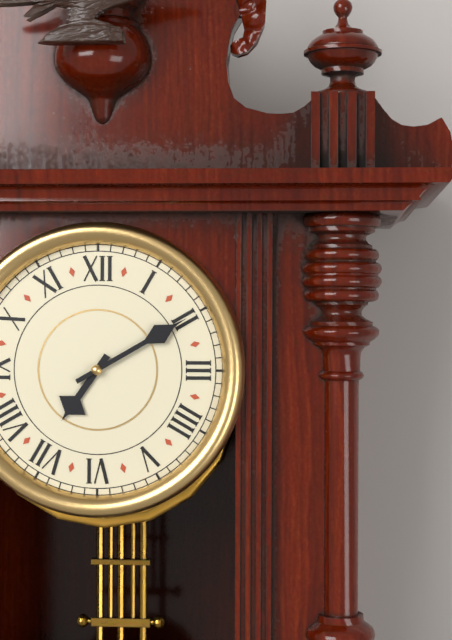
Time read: **7:10**
